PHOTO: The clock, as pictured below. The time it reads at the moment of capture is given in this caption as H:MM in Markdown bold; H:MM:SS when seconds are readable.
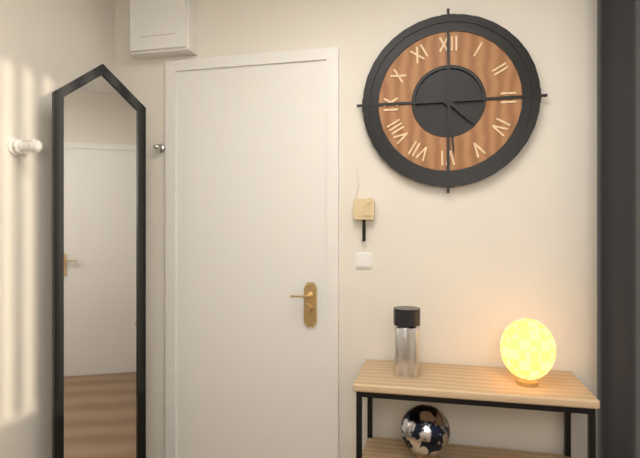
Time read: **4:29**
